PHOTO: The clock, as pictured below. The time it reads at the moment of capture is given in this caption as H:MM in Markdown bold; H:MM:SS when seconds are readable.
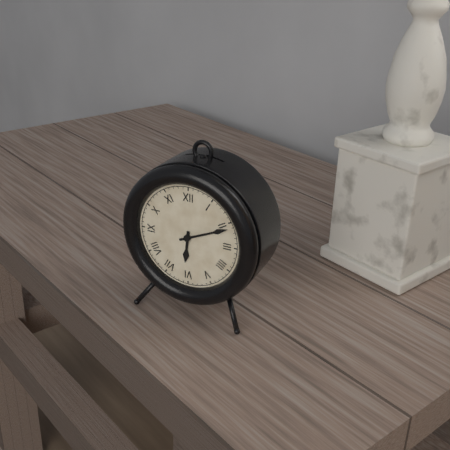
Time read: **6:11**
